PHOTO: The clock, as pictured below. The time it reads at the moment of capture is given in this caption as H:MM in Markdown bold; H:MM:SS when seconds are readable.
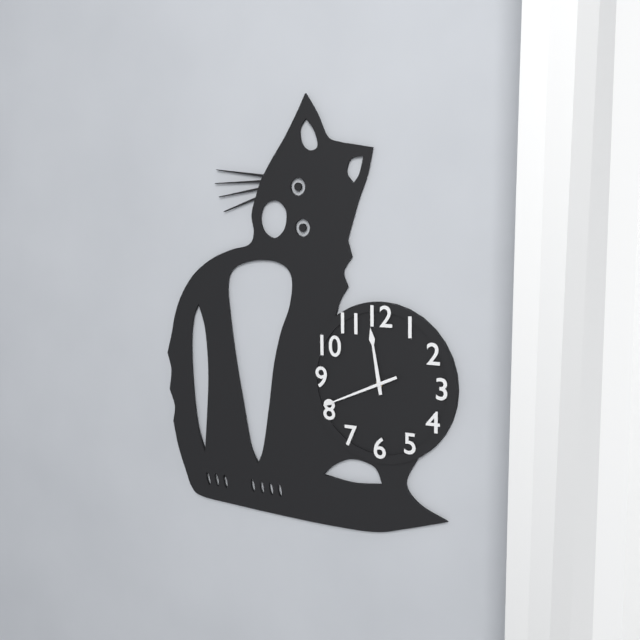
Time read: **11:41**
